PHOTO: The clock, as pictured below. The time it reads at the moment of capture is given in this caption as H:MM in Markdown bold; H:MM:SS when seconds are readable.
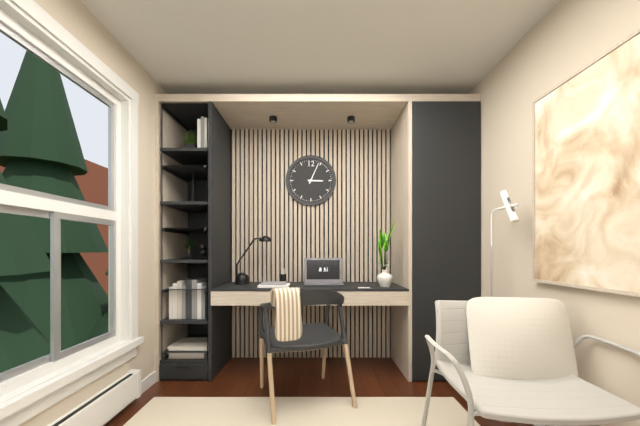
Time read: **3:04**
